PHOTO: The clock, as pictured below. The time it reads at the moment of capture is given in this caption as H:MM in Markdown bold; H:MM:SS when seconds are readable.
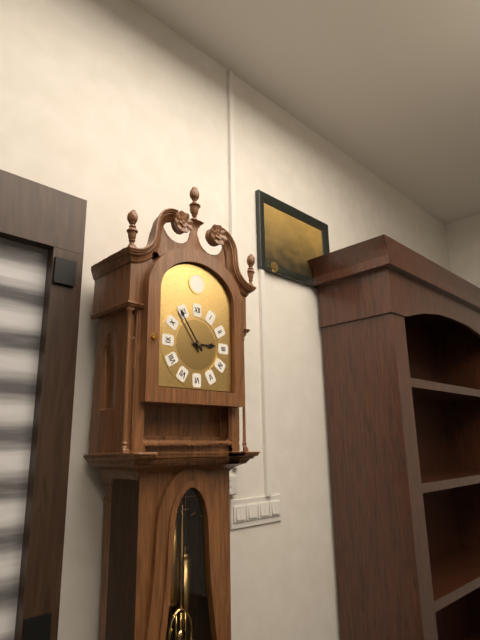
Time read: **2:54**
